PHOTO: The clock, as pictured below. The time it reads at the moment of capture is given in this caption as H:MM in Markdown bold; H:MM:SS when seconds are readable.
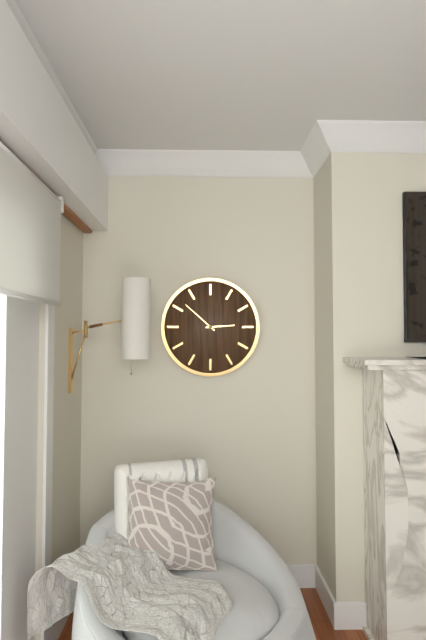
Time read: **2:52**
